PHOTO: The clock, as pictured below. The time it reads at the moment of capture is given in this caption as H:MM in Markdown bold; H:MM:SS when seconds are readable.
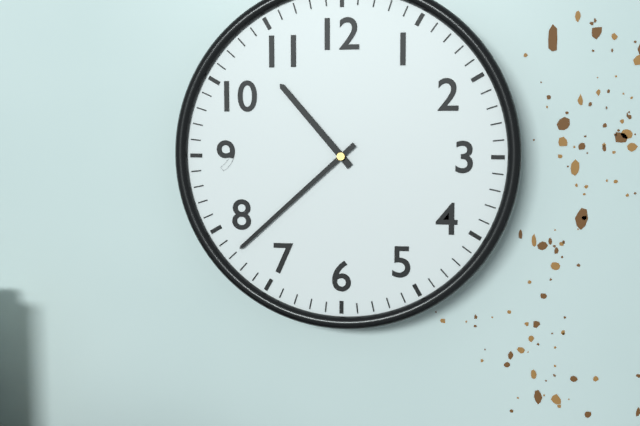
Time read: **10:38**
